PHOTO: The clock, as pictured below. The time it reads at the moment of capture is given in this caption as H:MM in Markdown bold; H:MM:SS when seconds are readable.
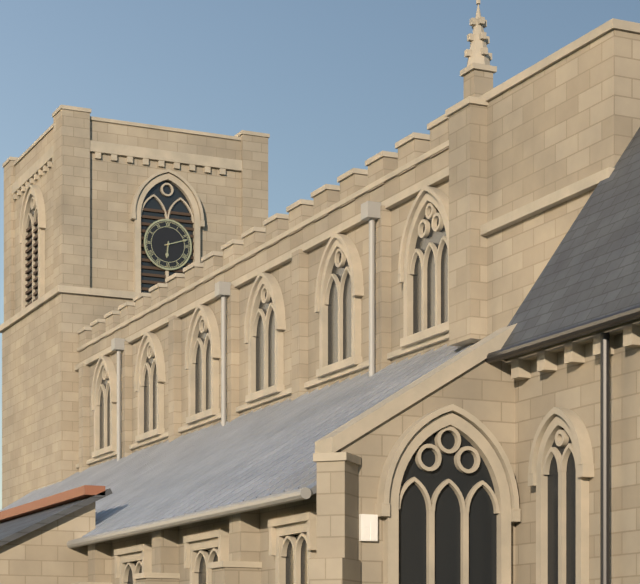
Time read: **6:12**
